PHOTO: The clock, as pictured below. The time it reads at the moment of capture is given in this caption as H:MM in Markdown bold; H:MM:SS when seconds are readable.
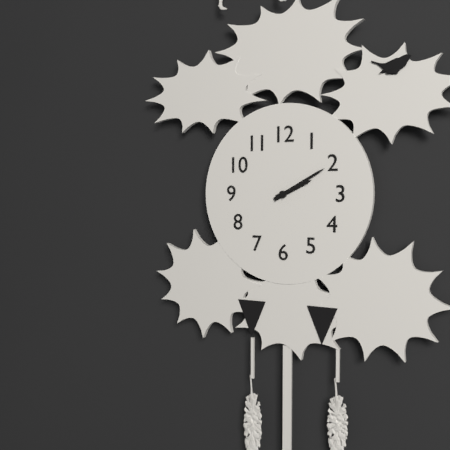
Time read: **2:10**
